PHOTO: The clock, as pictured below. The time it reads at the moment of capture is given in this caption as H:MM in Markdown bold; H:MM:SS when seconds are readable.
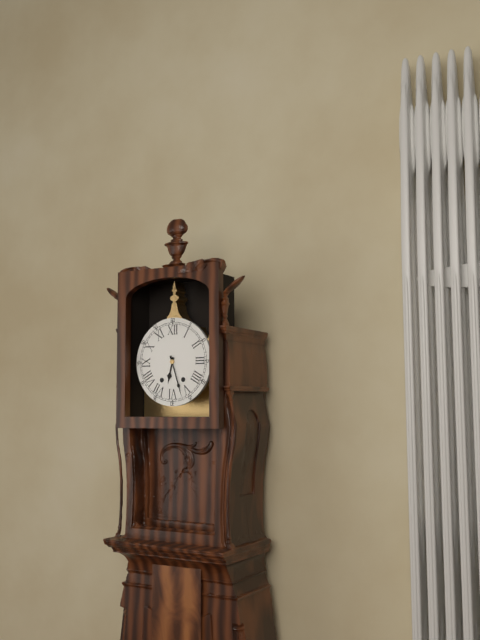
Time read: **6:27**
